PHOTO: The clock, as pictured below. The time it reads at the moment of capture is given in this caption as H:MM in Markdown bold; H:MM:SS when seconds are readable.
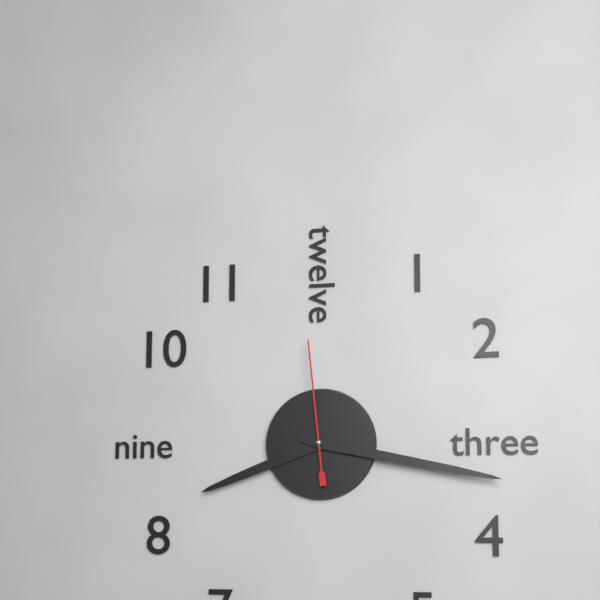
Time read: **8:17:59**
